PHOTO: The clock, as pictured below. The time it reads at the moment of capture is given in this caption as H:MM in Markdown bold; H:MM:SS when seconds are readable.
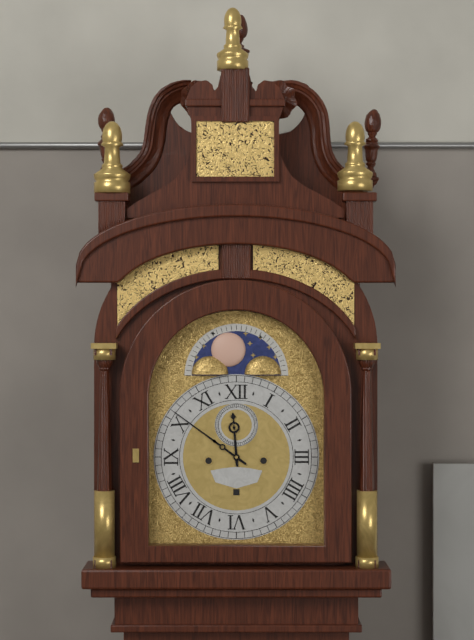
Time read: **11:51**
